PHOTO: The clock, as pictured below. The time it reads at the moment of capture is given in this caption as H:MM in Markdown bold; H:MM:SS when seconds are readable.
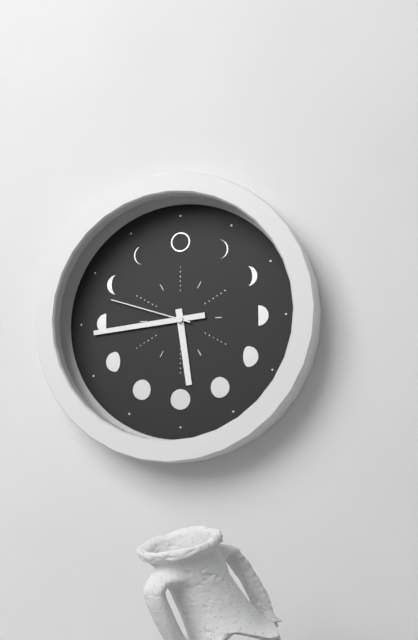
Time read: **5:44:48**
